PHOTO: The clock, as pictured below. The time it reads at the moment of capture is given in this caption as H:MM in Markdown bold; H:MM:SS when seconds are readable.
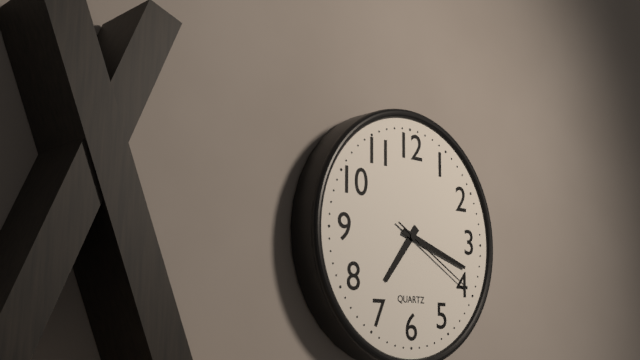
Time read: **7:18:20**
